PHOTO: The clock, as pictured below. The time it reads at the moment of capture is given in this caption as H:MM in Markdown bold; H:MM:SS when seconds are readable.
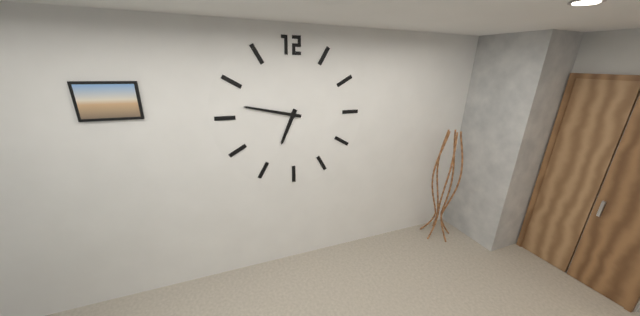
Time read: **6:47**
